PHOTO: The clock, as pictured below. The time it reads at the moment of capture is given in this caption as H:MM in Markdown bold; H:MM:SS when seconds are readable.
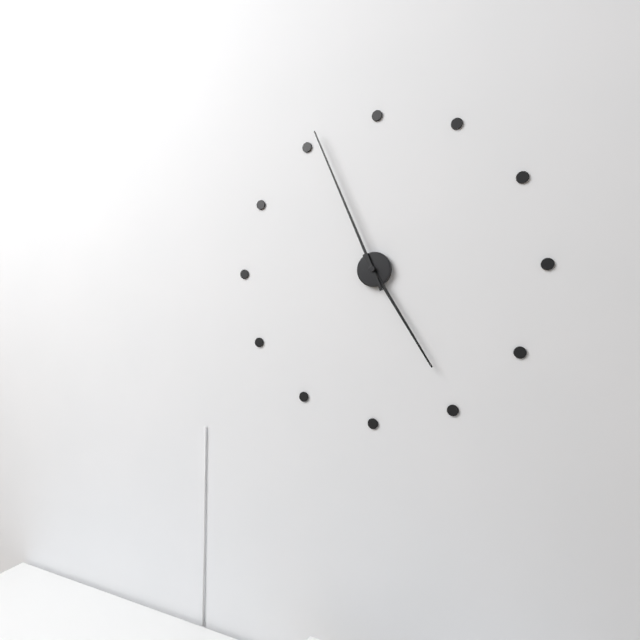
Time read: **4:56**
